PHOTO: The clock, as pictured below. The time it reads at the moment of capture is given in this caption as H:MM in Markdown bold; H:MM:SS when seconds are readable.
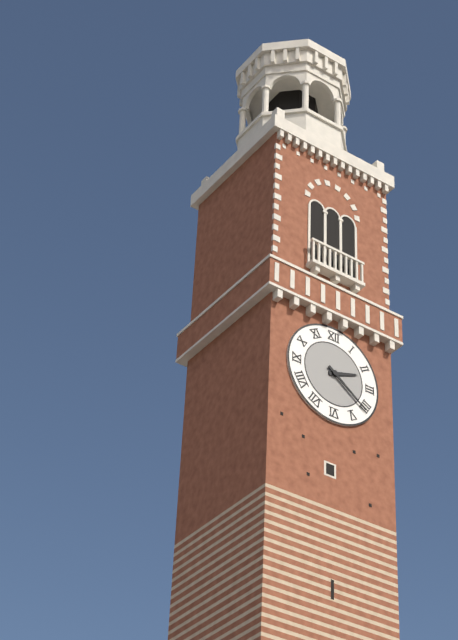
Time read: **2:21**
